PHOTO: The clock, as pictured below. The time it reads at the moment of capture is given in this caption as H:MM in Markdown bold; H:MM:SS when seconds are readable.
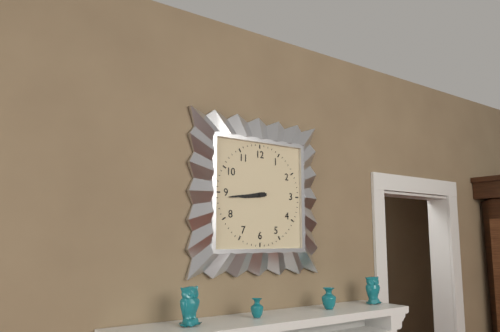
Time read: **8:44**
